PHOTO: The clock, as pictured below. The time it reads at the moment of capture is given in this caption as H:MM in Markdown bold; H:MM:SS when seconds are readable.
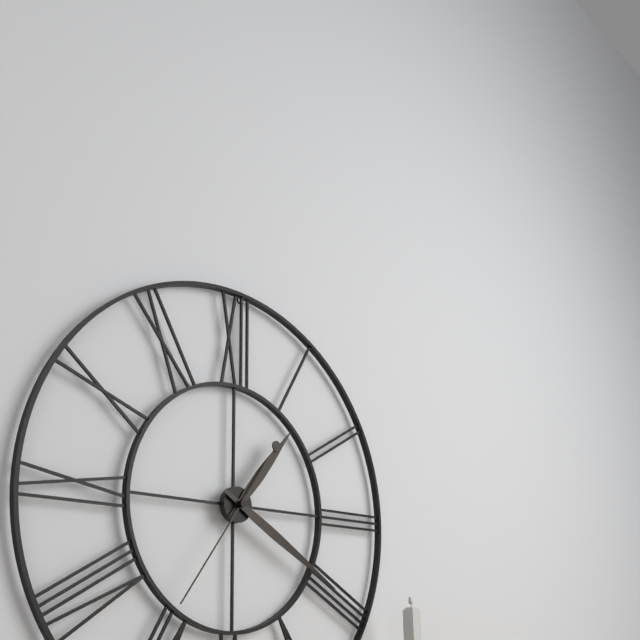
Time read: **1:20:36**
